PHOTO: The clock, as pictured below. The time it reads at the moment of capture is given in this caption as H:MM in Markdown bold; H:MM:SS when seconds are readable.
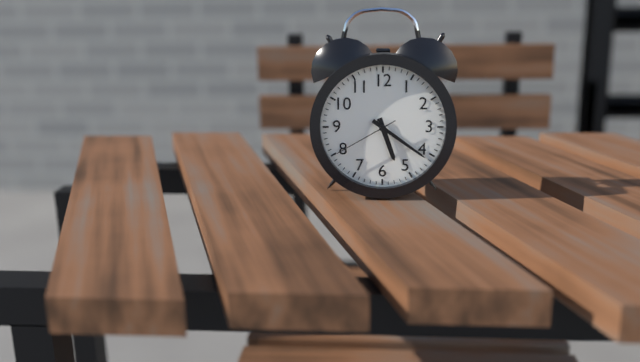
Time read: **5:21:40**
